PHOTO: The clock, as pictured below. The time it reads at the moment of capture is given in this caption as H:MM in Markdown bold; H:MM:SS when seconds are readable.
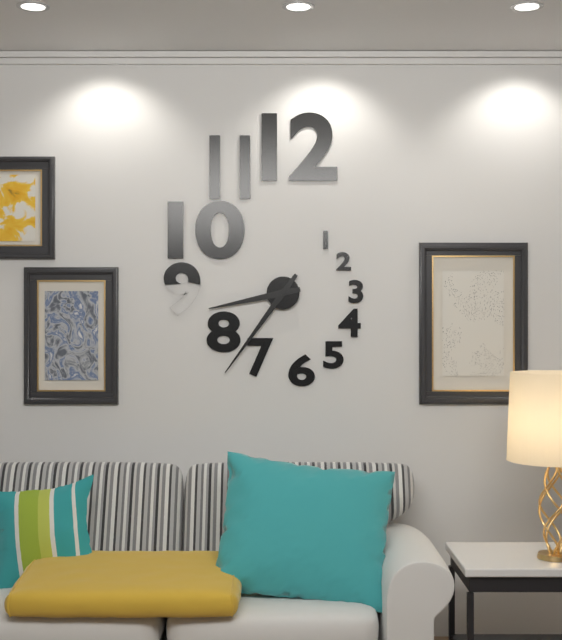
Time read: **8:36**
